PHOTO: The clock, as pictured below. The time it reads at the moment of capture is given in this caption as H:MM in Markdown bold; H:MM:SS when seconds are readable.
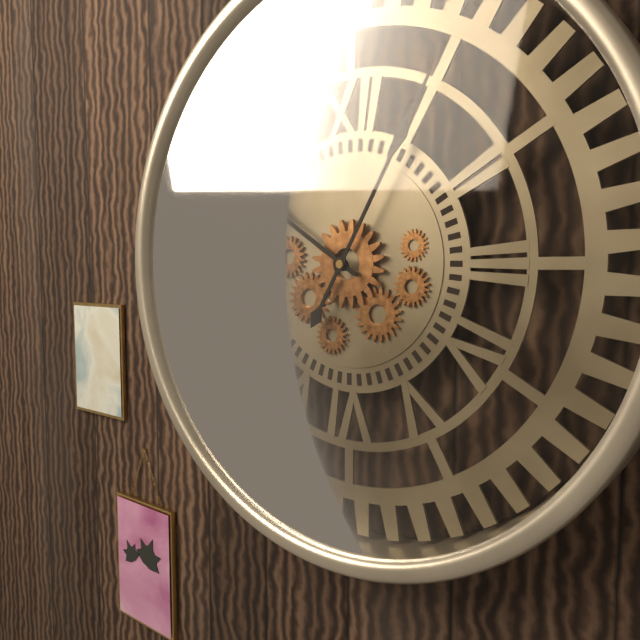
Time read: **10:05**
